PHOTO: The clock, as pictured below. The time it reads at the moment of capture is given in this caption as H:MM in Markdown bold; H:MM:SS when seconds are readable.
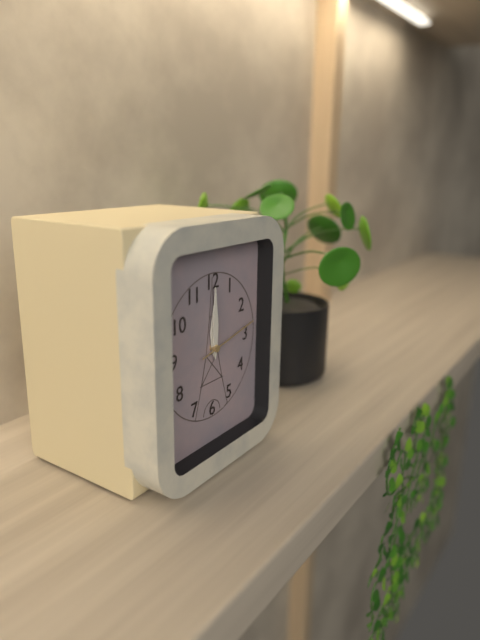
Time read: **12:00:13**
